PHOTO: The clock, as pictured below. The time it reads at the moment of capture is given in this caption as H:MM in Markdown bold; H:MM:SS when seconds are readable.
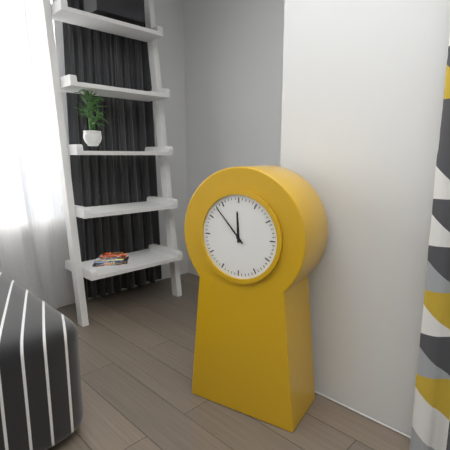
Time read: **11:53**
